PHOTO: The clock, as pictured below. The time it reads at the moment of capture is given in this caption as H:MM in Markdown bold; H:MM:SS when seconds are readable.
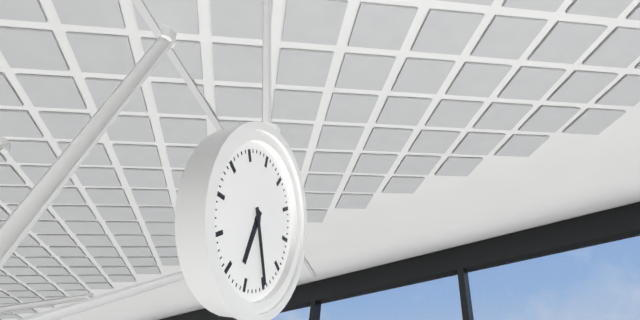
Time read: **6:25**
